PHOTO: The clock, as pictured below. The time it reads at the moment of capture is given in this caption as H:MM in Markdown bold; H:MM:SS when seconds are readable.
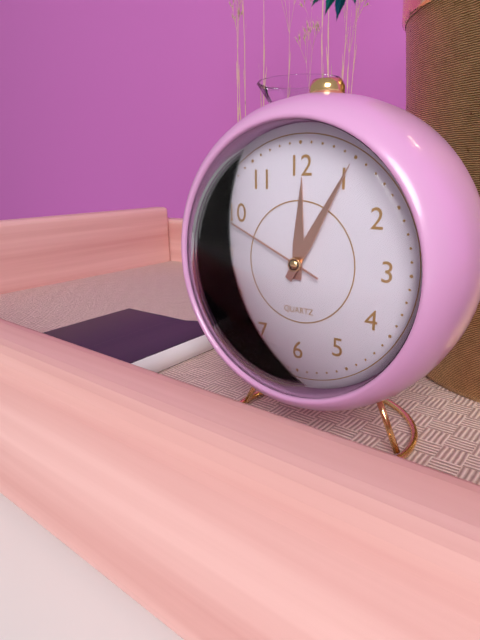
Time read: **12:05:49**
